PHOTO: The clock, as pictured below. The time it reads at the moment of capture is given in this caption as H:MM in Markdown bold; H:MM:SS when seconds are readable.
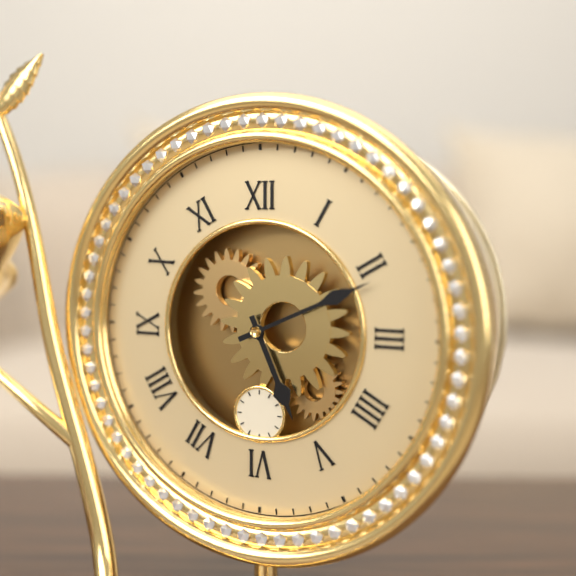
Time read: **5:11**
